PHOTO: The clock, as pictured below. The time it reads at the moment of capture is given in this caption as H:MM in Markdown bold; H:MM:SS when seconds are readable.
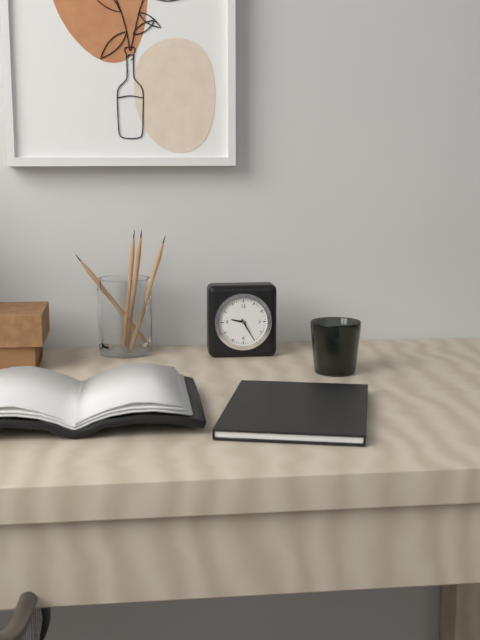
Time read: **9:25**
